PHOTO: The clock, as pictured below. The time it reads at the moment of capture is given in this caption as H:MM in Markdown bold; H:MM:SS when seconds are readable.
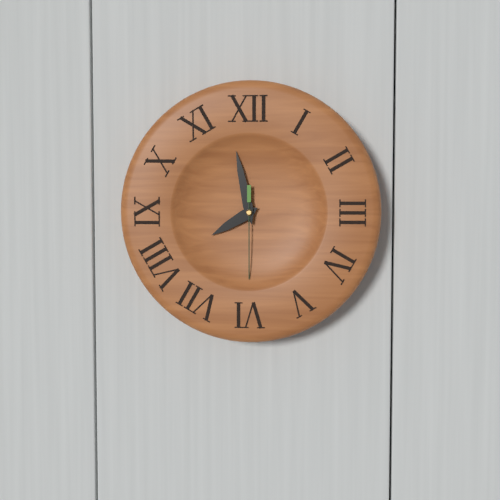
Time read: **7:58:30**
